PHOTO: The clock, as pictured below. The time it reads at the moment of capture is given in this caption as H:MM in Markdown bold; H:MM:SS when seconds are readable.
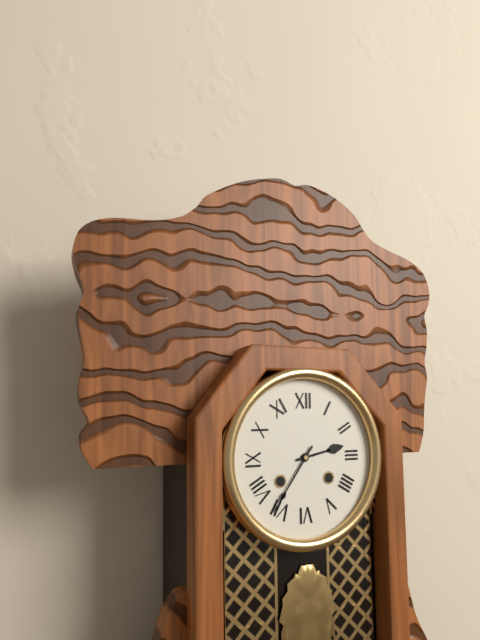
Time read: **2:36**
